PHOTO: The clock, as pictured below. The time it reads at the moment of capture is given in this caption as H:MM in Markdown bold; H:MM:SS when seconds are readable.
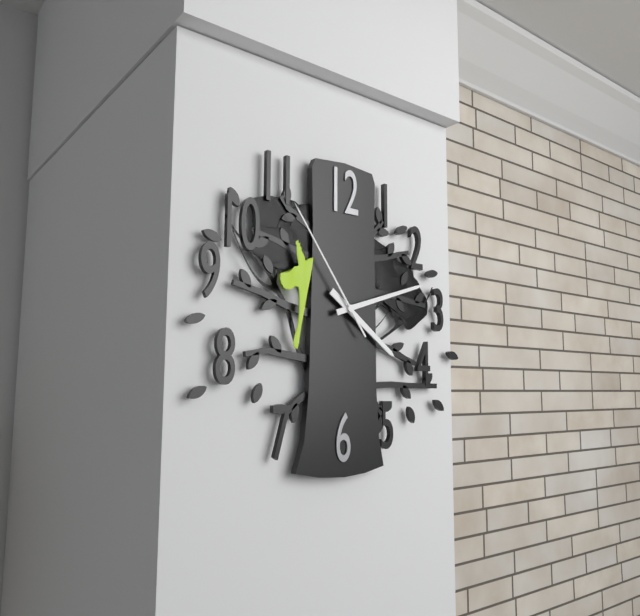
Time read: **4:12:54**
